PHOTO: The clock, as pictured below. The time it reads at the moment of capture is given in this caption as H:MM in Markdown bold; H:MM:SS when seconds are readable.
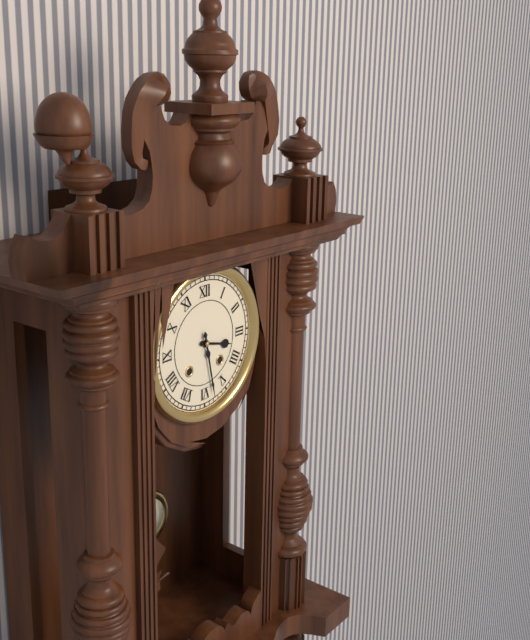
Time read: **3:28**
